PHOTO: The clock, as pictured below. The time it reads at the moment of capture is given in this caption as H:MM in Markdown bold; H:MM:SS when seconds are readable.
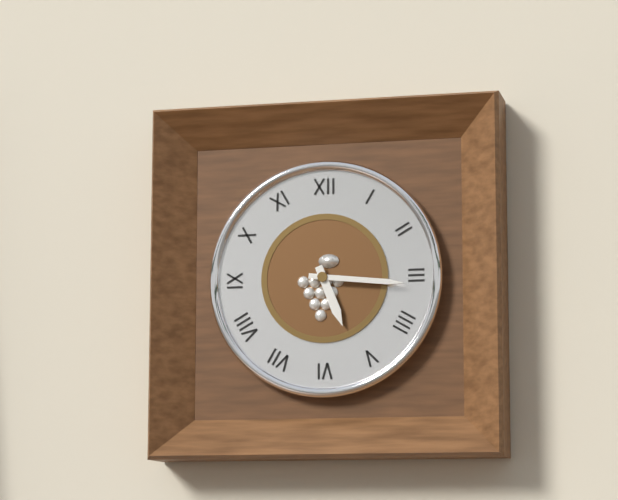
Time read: **5:16**
